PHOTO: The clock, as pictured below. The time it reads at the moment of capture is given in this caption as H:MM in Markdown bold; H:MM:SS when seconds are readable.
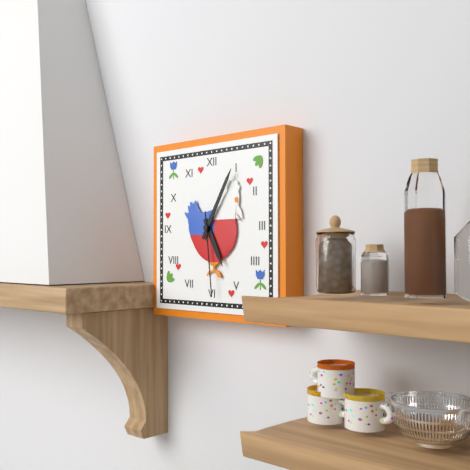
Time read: **5:05:29**
